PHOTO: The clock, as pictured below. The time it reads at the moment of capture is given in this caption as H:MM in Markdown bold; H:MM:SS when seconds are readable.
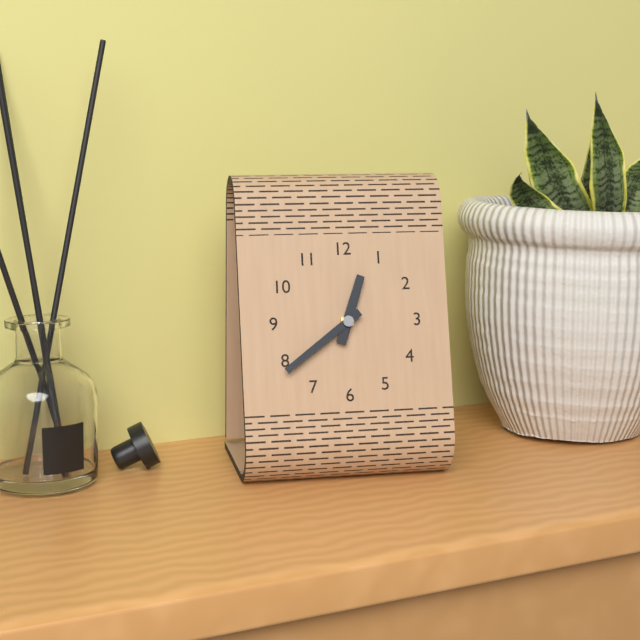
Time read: **12:39**
